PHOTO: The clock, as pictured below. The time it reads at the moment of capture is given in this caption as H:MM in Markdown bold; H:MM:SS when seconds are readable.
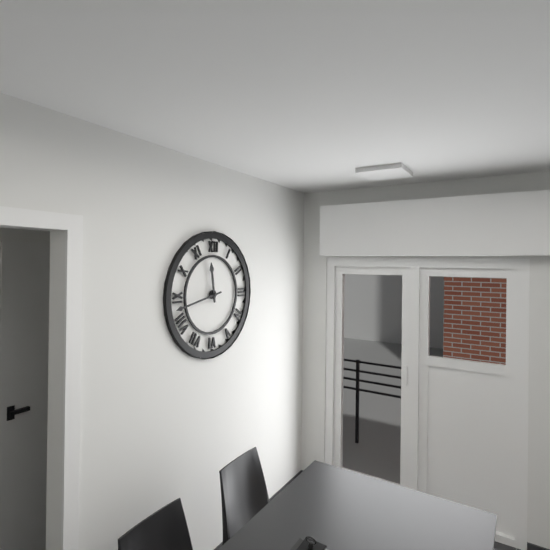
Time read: **11:43**
